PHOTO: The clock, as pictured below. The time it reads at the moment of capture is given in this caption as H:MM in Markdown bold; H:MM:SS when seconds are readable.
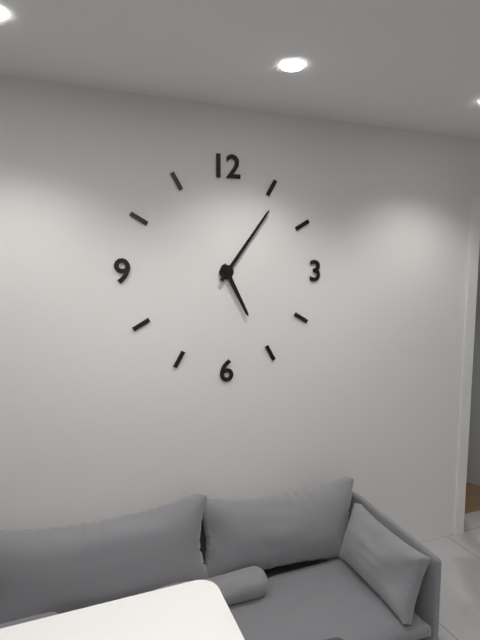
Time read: **5:06**
